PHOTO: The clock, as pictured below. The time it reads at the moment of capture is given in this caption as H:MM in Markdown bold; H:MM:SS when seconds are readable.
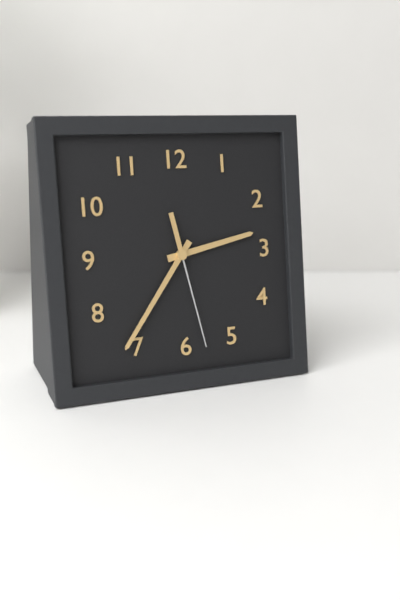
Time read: **2:36:28**
